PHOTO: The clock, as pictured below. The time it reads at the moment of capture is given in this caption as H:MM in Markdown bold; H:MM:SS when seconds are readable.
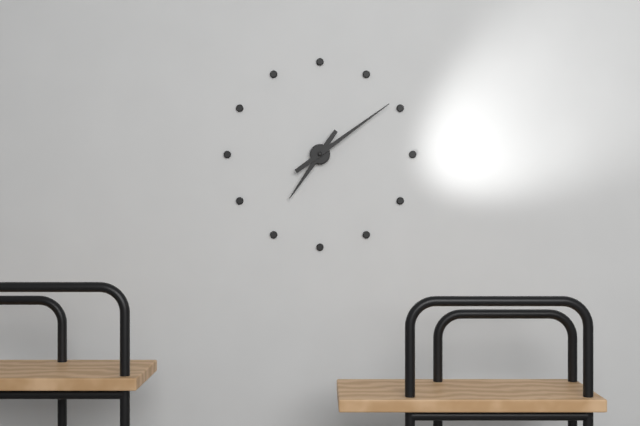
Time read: **7:09**
